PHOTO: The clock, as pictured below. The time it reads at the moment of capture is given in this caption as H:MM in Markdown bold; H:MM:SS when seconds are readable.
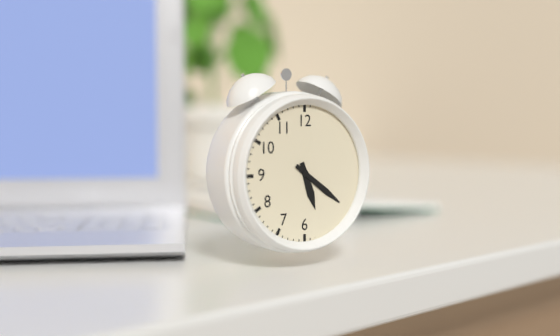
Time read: **5:21**
